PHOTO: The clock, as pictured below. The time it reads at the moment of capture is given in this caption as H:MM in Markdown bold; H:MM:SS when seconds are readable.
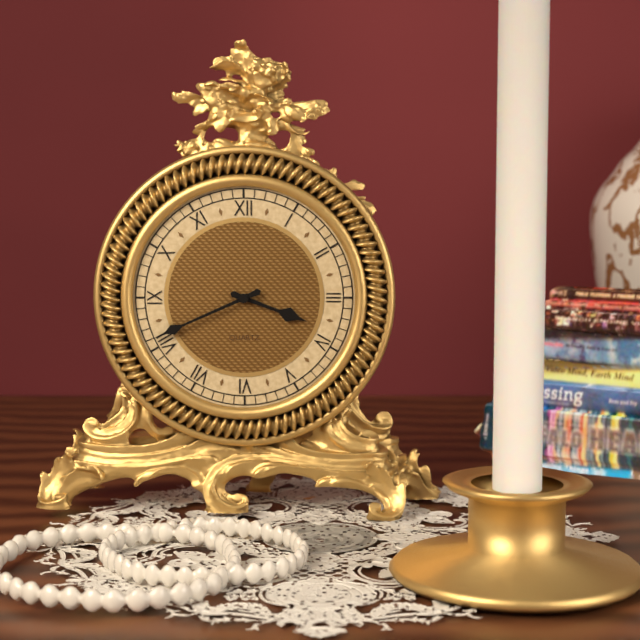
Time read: **3:41**
